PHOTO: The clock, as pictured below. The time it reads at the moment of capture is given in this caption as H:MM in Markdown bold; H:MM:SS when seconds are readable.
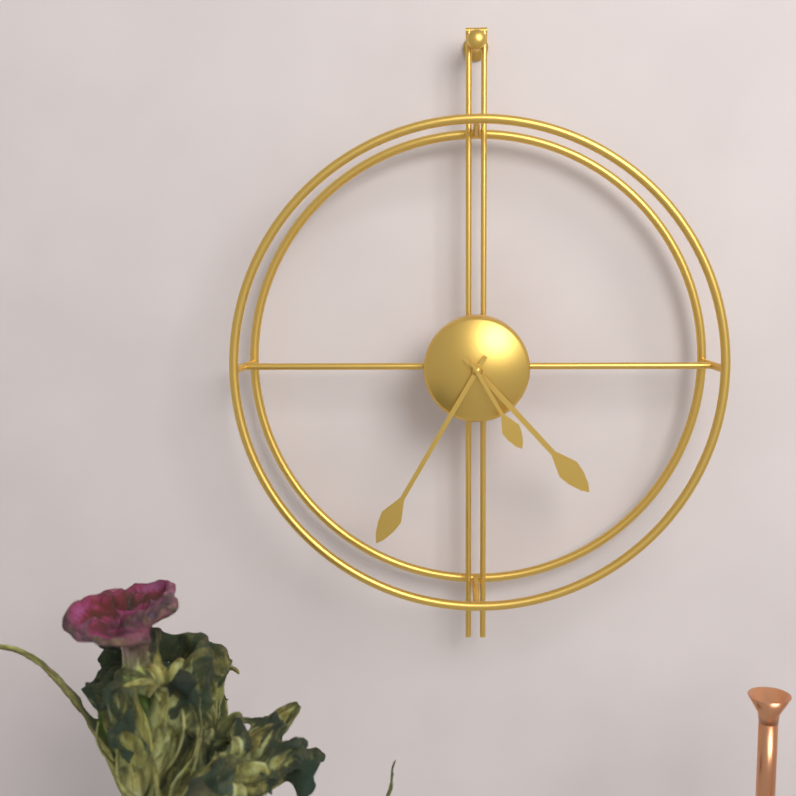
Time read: **4:35:25**
